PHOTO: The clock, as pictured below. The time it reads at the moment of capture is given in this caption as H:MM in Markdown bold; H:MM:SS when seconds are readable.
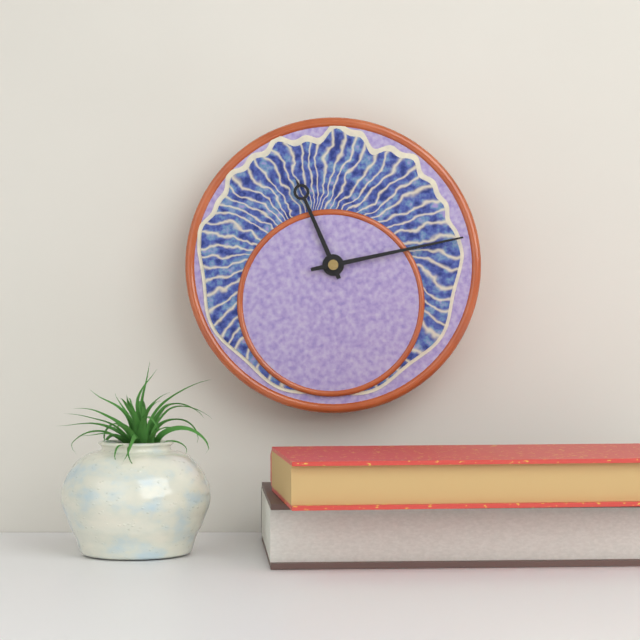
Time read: **11:13**
